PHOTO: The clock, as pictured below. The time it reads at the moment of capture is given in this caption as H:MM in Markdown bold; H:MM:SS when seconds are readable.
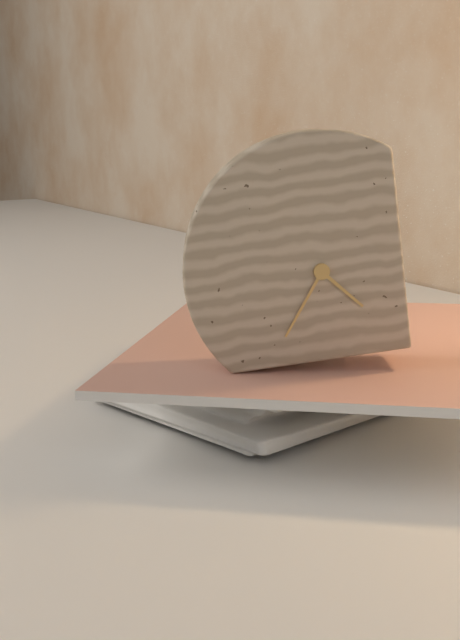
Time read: **4:36**
